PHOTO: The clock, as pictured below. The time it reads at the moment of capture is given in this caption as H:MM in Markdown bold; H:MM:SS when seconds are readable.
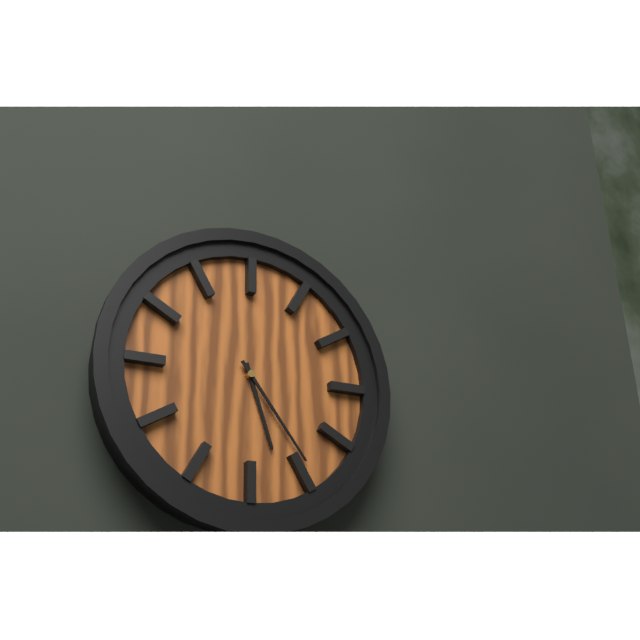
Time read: **5:24**
